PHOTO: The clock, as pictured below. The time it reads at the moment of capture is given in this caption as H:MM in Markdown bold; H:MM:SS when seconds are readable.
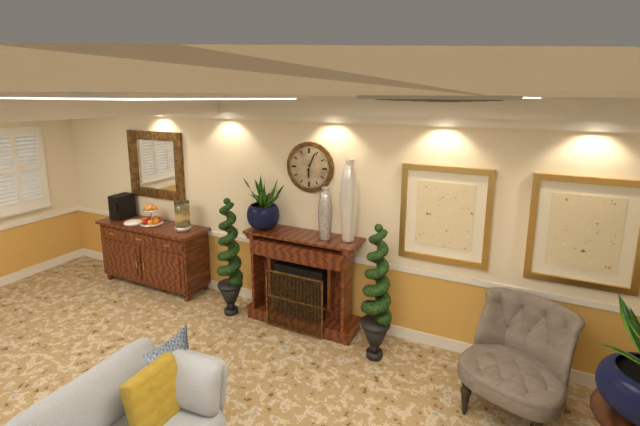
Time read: **6:04**
